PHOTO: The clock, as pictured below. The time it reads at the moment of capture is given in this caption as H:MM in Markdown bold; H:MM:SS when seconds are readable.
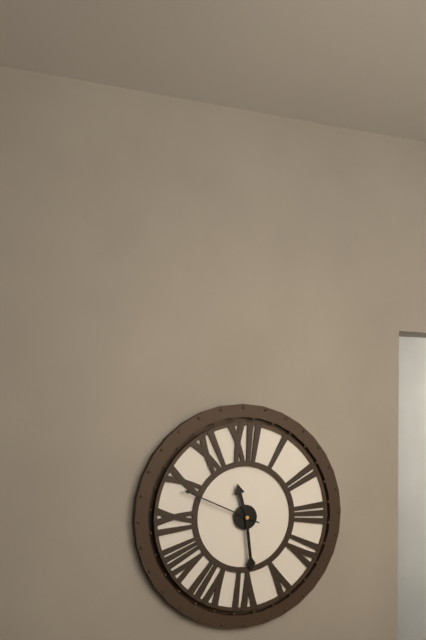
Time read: **11:29:49**
